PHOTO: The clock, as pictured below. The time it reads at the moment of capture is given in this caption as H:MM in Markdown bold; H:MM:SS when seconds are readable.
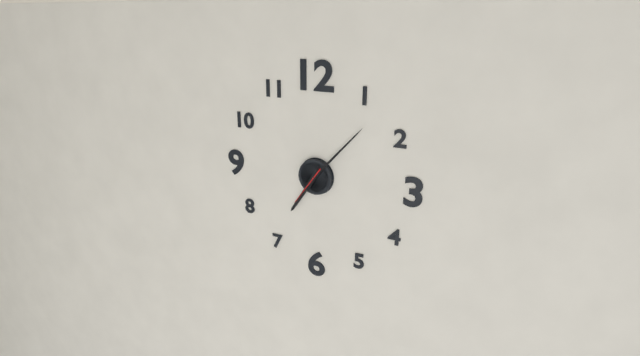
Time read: **7:07**
